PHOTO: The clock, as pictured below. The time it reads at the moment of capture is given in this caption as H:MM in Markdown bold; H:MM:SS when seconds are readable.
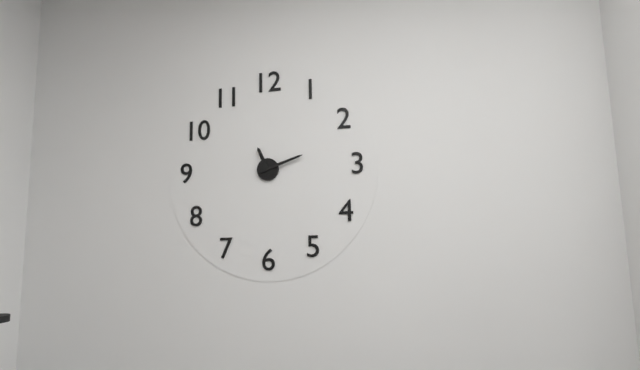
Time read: **11:12**
